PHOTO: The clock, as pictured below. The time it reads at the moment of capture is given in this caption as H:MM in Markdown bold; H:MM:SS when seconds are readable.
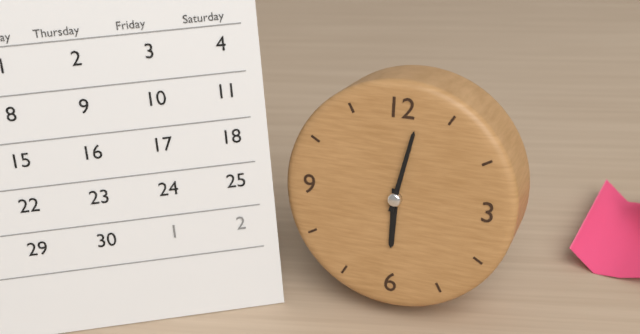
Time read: **6:02**
